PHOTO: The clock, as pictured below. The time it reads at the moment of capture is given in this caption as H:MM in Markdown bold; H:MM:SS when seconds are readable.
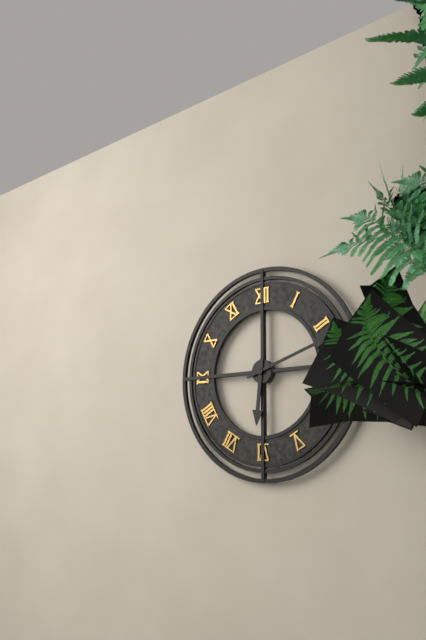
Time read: **6:12**
